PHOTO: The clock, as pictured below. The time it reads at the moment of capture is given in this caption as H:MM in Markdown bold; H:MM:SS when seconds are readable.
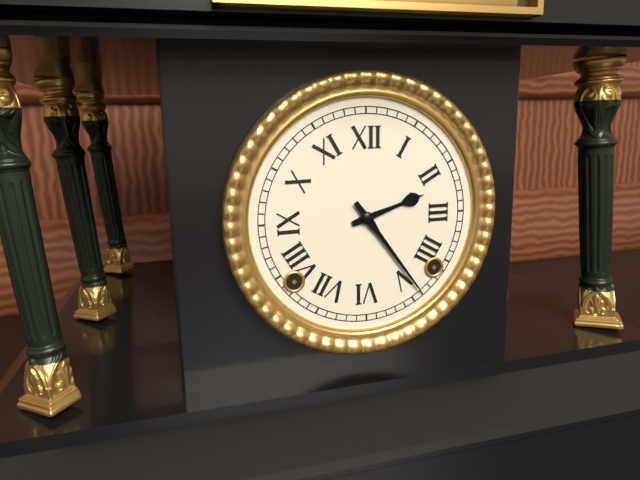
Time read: **2:24**
